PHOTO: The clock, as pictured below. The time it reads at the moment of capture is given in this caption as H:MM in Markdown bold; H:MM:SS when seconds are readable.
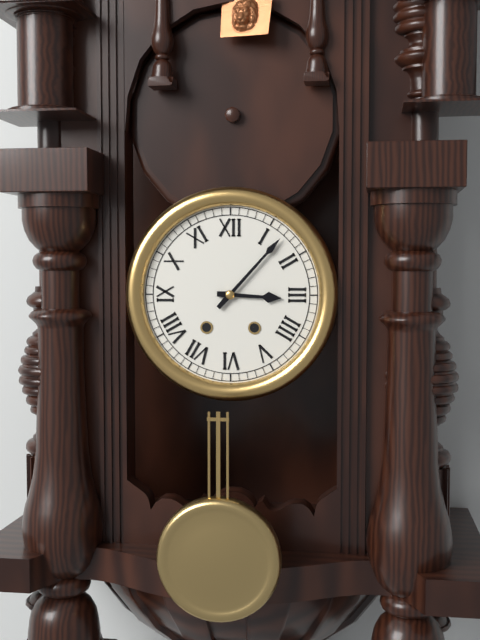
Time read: **3:07**
